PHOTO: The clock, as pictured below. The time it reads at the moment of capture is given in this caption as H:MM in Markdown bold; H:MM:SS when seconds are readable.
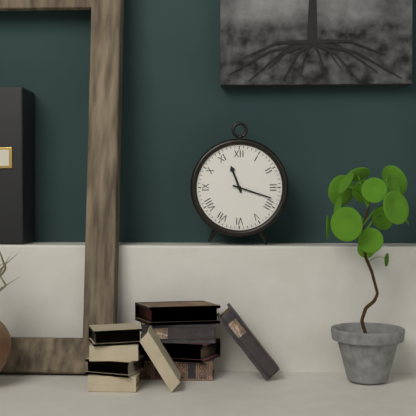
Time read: **11:18**
